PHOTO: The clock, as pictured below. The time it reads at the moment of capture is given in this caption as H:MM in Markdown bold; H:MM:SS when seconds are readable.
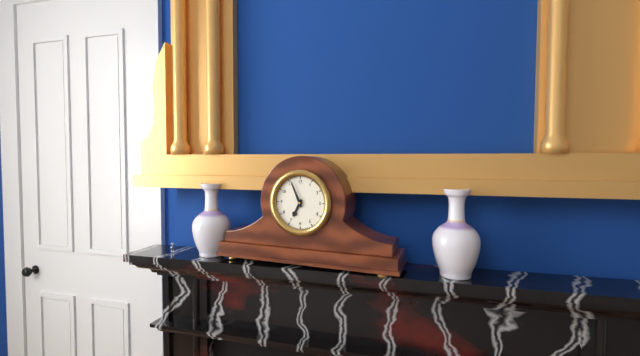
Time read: **6:56**
